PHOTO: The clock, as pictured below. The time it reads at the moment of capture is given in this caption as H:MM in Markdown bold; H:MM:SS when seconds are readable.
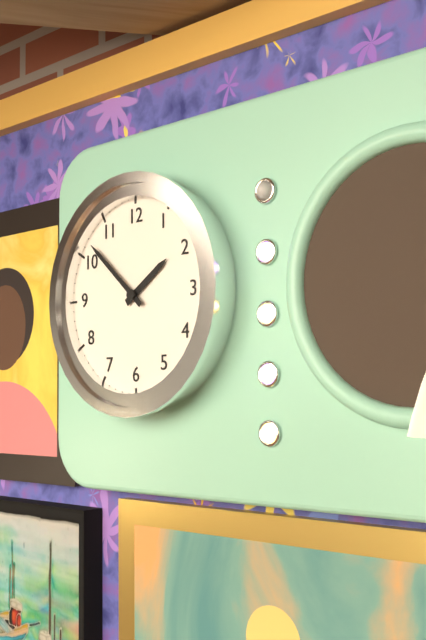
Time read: **1:52**
